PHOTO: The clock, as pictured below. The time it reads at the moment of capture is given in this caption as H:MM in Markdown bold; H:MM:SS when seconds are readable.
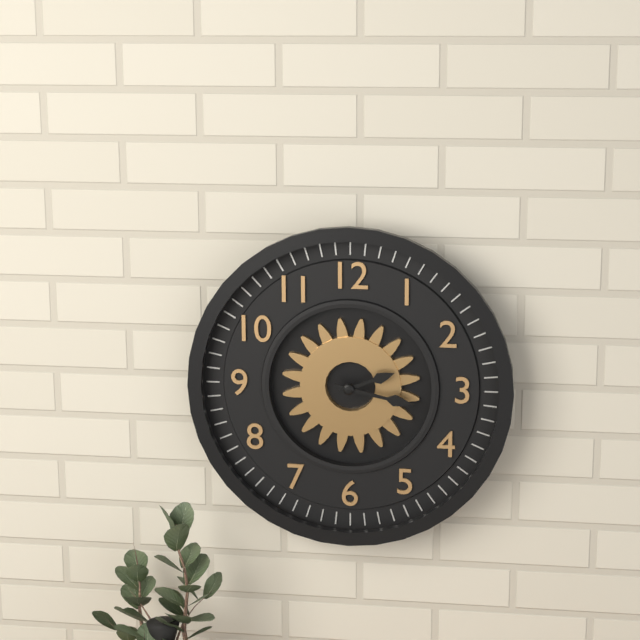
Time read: **2:17**
